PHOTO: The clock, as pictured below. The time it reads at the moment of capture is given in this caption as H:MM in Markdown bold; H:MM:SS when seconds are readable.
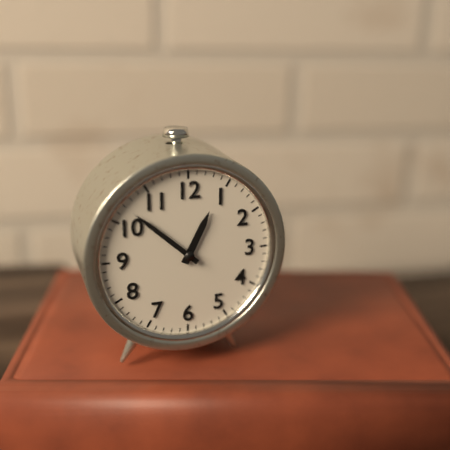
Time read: **12:52**
